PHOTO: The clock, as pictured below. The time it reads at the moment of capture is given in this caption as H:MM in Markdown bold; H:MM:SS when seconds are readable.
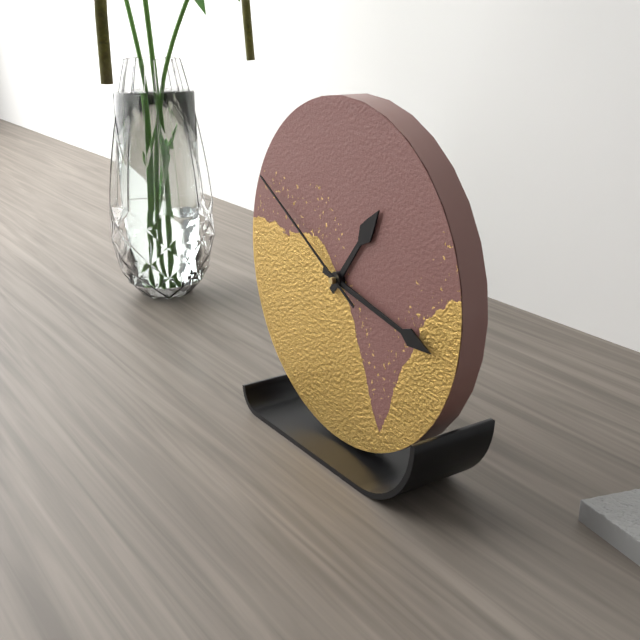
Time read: **1:17:50**
